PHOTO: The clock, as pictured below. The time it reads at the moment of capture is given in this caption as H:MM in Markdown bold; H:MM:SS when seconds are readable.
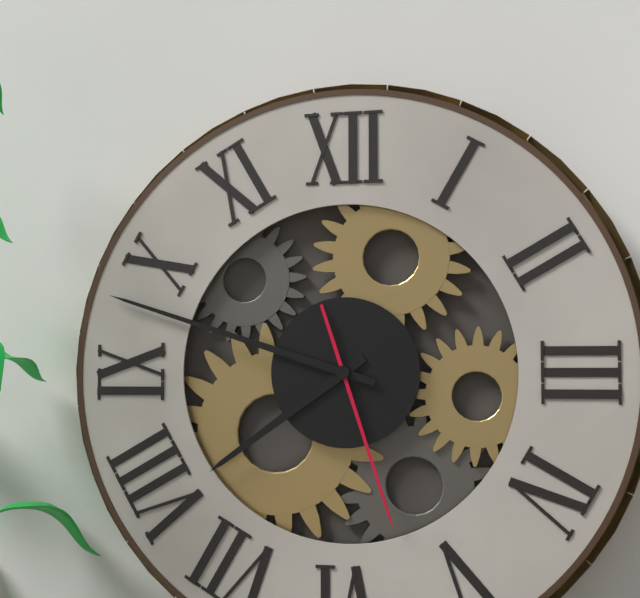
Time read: **7:48:27**
